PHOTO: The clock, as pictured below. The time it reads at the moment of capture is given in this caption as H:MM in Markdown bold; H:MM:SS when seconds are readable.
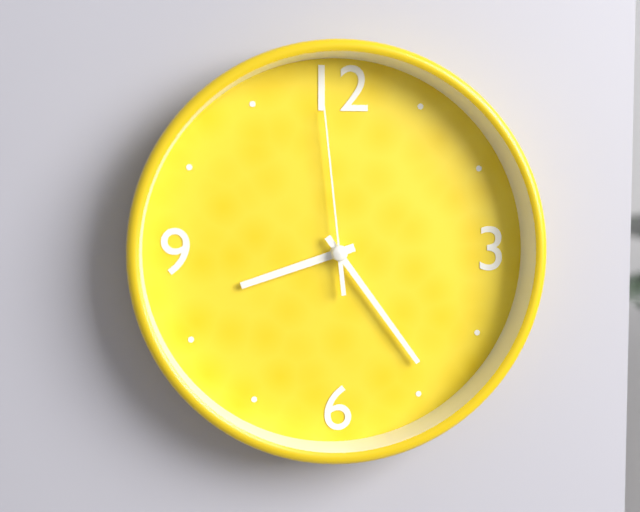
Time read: **8:24:59**
